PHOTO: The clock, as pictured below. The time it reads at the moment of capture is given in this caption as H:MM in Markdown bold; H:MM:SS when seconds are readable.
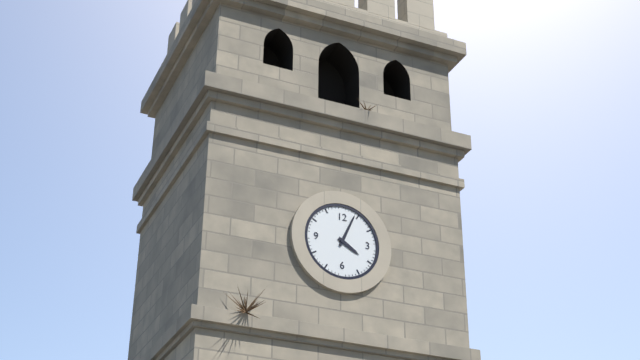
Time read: **4:04**
